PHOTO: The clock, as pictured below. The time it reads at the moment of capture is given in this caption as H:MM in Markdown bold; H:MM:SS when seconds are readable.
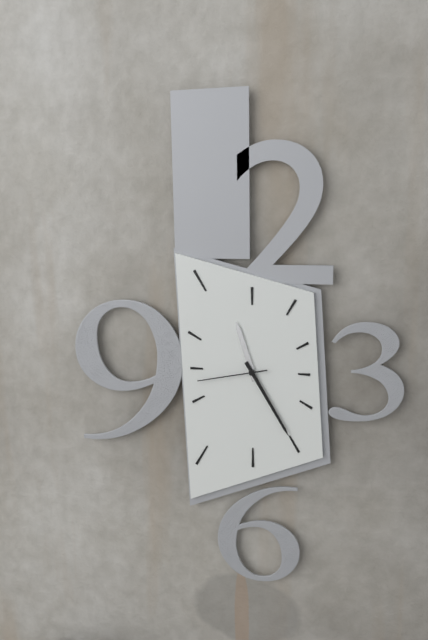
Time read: **11:25:43**
